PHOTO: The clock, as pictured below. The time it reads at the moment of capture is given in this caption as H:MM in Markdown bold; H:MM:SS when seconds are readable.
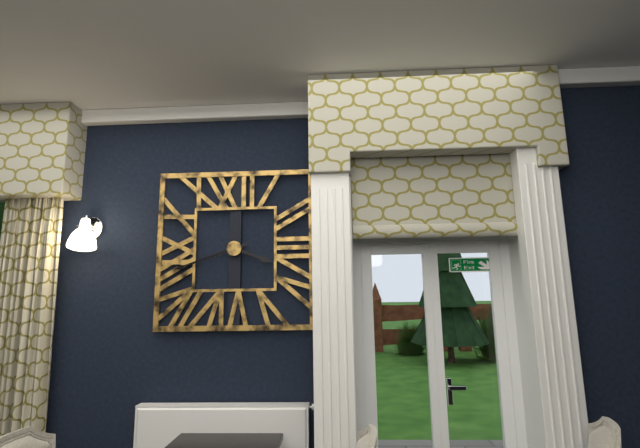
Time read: **3:42**
